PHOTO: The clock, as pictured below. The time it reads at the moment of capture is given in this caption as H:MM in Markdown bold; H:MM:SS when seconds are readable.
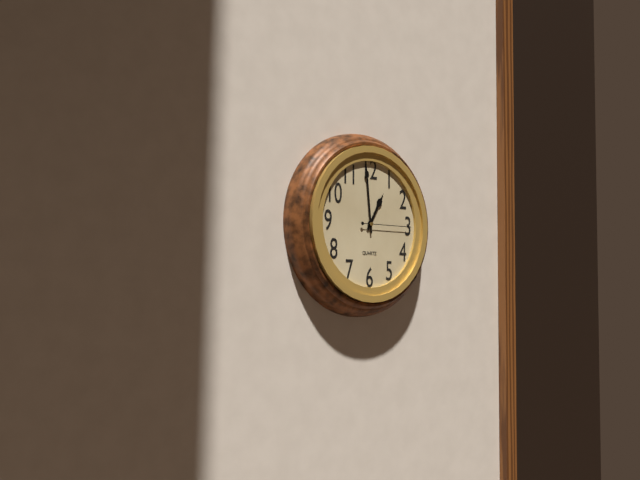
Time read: **12:59**
